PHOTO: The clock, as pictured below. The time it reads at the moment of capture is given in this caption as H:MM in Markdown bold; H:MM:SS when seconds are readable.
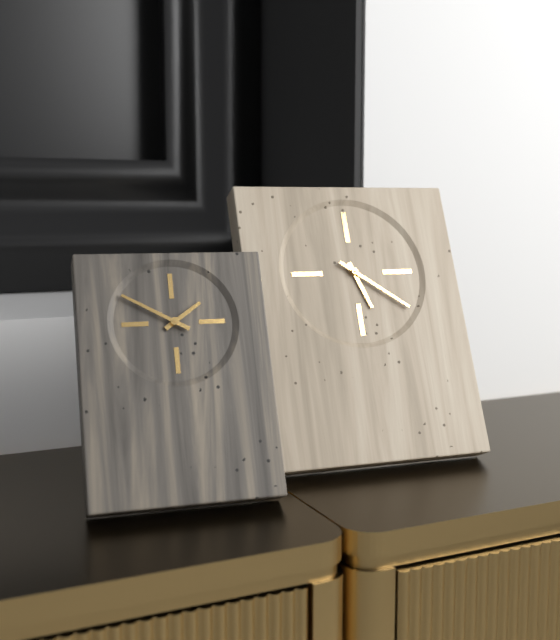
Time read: **5:21**
